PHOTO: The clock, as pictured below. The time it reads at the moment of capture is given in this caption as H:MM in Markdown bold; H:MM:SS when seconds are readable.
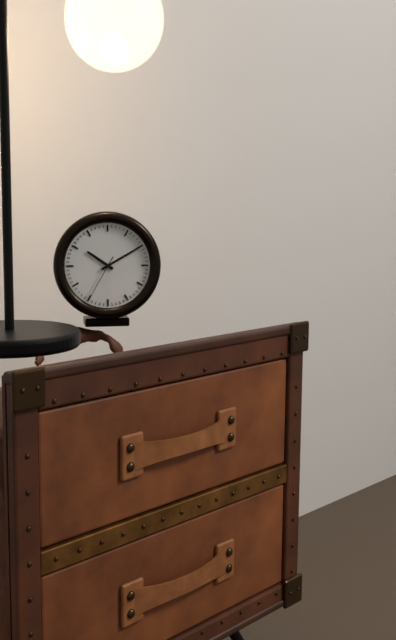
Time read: **10:10:35**
